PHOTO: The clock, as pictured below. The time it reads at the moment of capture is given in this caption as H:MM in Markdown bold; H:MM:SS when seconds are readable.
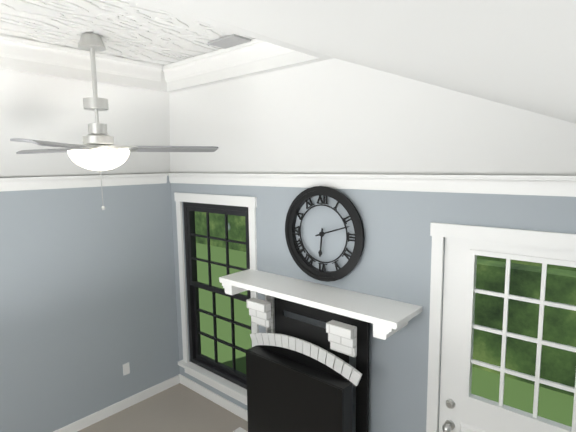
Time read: **6:12**
